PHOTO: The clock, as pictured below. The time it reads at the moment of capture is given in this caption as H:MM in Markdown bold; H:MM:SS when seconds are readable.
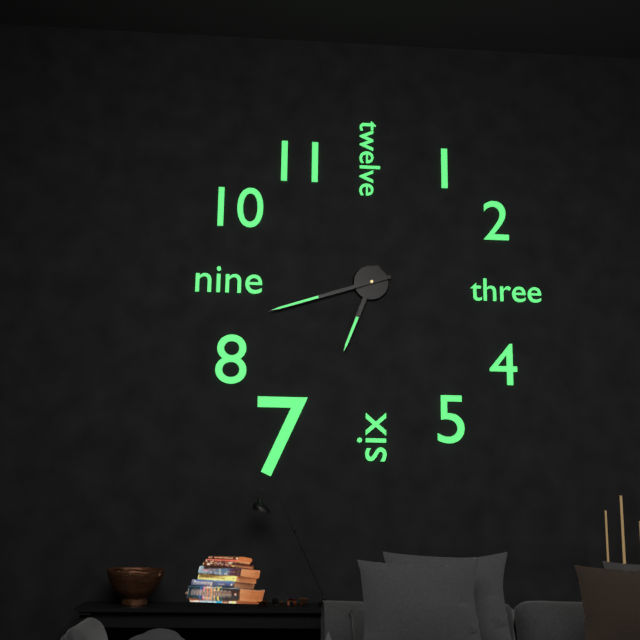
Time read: **6:42**
